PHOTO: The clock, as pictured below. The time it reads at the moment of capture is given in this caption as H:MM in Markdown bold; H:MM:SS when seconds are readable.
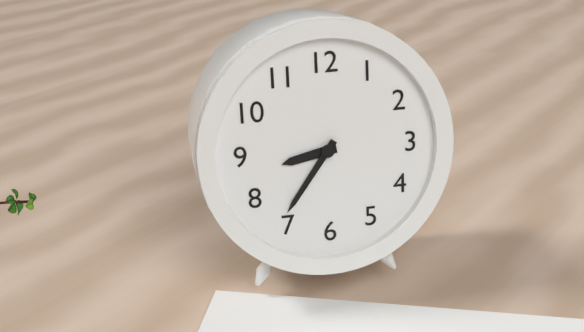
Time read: **8:36**
